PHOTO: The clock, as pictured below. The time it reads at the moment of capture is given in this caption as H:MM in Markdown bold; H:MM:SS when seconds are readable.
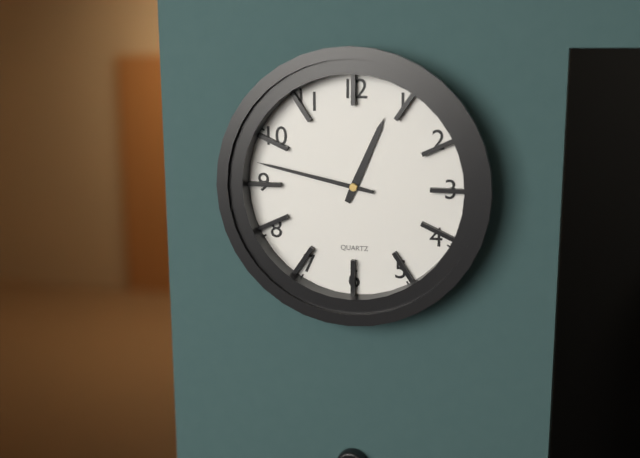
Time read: **12:47**
